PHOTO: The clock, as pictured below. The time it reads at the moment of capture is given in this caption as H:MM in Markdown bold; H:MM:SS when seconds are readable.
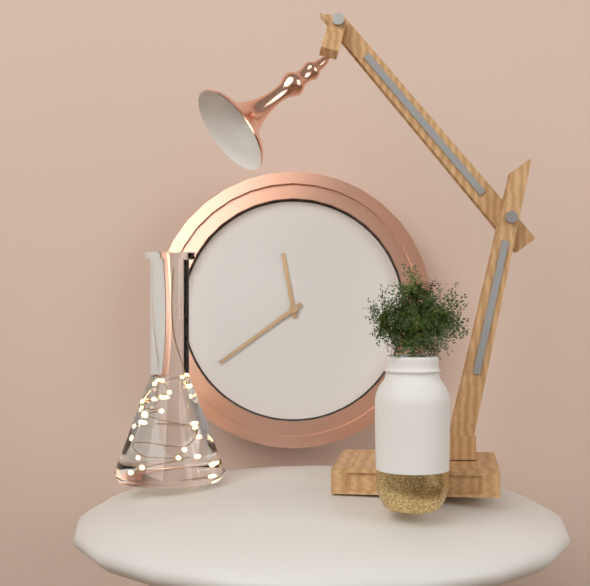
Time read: **11:39**
